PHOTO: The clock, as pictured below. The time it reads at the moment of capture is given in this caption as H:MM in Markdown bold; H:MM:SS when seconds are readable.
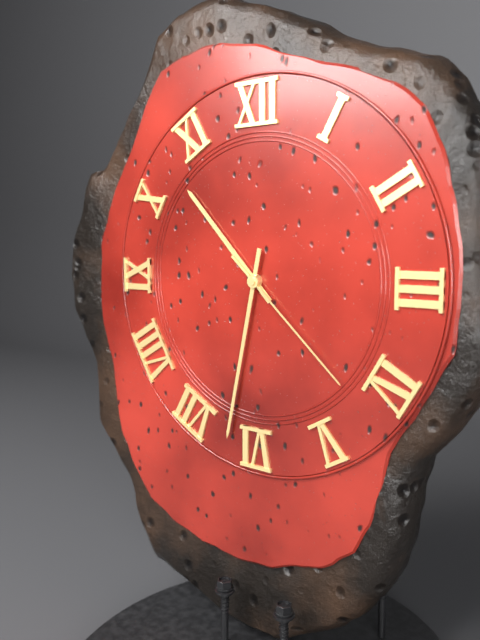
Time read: **10:32:22**
